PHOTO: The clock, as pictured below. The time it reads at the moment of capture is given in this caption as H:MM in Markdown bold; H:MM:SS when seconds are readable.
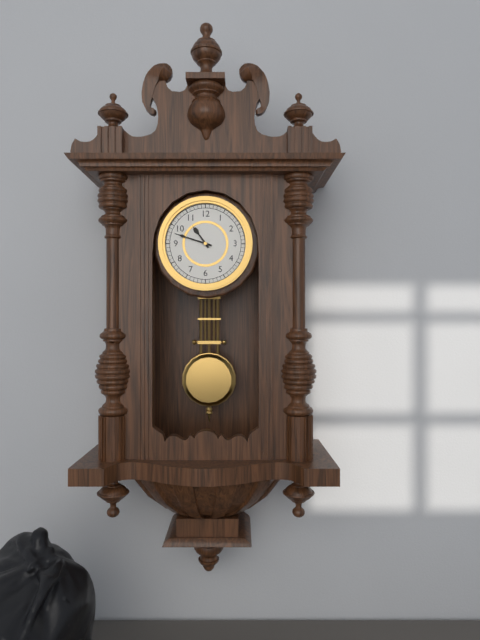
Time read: **10:48**
